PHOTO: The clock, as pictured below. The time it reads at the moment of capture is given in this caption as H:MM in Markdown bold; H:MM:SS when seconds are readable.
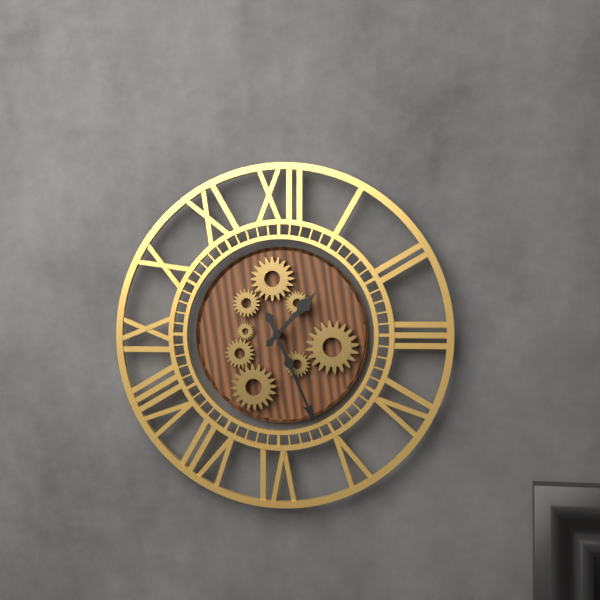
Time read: **1:26**
